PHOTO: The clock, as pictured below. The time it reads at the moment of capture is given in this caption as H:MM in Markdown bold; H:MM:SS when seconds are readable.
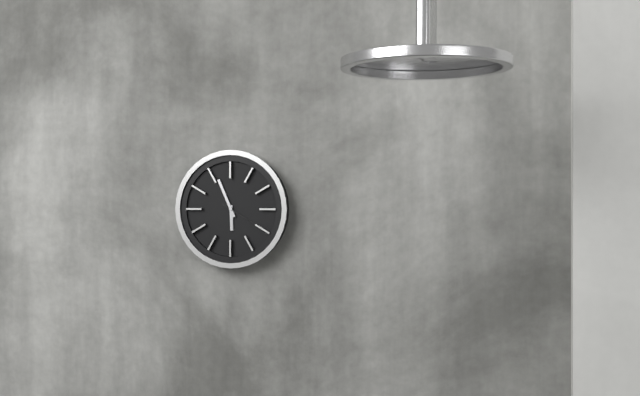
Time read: **5:56:20**
